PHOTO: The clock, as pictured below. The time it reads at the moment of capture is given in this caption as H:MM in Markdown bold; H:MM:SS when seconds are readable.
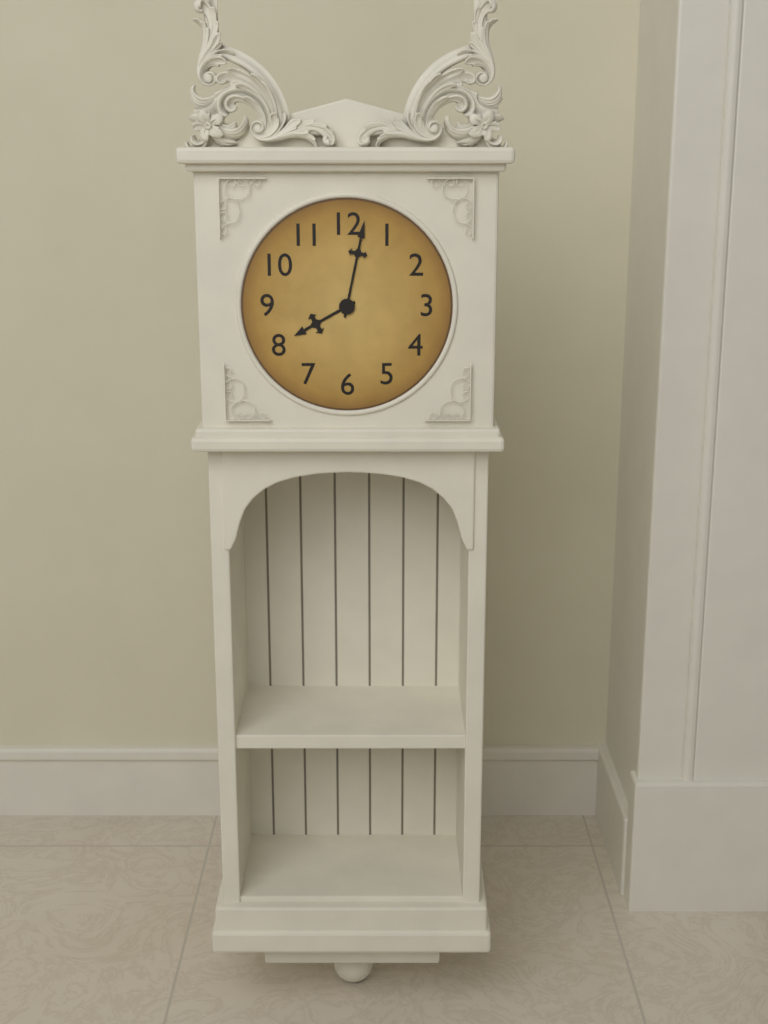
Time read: **8:02**
